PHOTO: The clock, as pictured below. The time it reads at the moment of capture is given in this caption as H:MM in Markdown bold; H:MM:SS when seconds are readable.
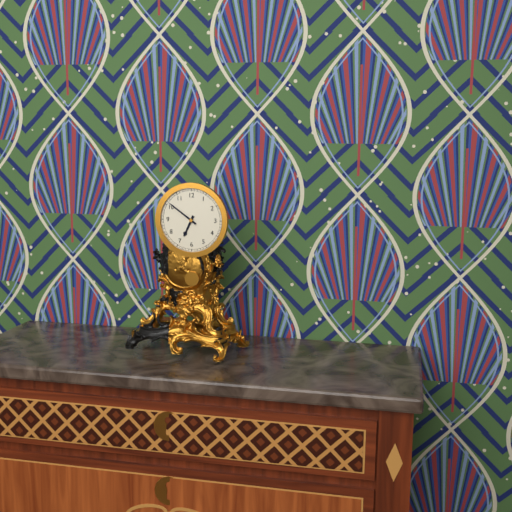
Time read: **6:51**
